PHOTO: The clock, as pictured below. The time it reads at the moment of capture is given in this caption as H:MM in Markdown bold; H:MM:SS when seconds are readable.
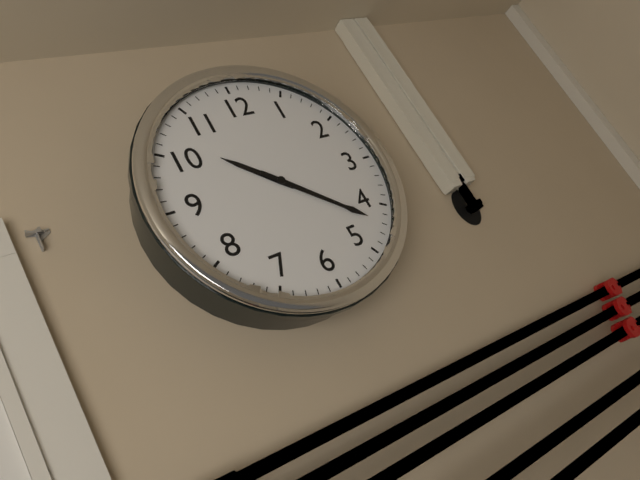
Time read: **10:22**
